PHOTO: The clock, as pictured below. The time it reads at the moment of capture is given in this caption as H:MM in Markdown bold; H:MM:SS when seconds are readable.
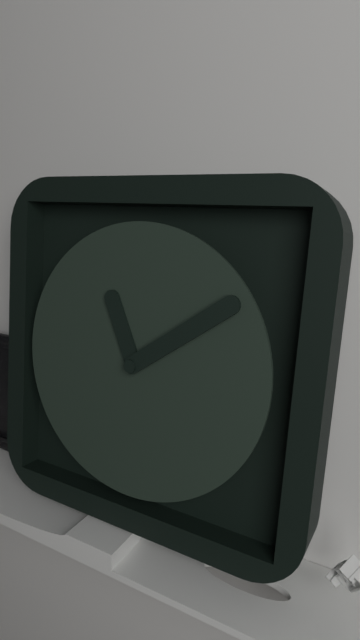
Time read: **11:09**
